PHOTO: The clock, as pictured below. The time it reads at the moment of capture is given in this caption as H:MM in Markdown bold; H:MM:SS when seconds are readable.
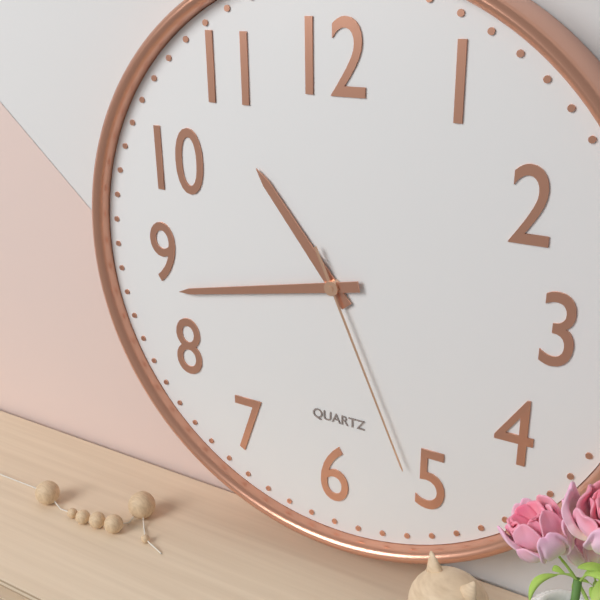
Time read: **10:43:26**
